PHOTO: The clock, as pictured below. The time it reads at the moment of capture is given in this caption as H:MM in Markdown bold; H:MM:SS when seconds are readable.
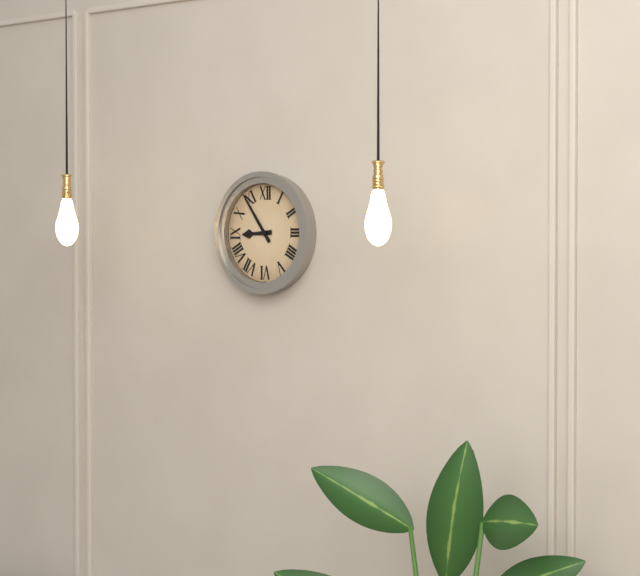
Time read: **8:54**
